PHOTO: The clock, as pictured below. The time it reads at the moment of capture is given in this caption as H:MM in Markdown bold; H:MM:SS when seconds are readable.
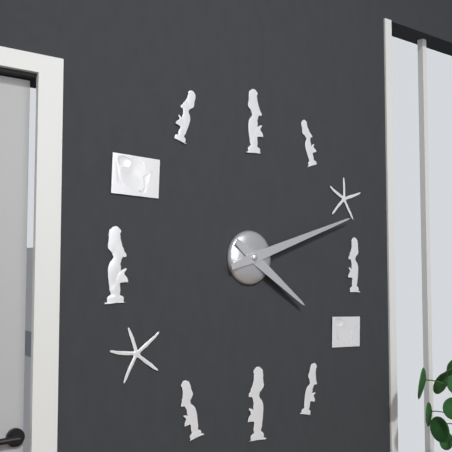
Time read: **4:12**
